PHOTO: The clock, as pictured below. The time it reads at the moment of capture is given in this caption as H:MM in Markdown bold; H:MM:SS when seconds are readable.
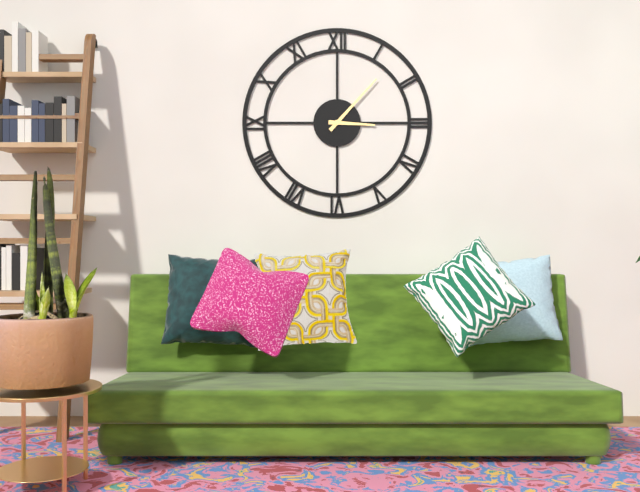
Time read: **3:07**
